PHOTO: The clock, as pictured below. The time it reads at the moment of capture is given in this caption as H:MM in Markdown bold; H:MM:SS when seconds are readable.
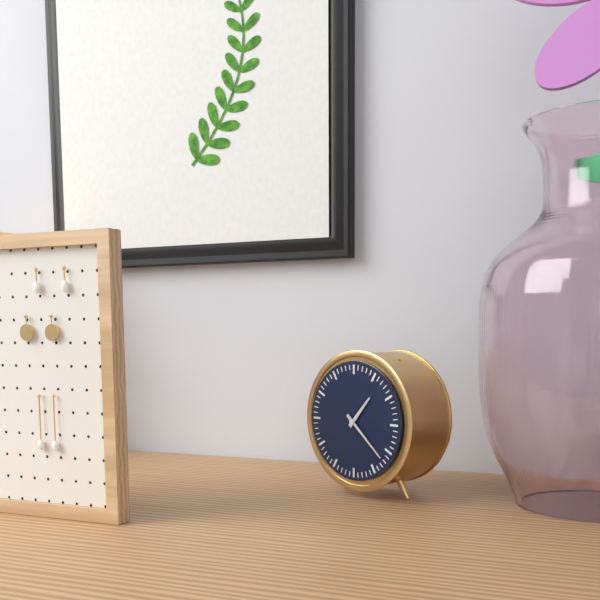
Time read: **1:22**
